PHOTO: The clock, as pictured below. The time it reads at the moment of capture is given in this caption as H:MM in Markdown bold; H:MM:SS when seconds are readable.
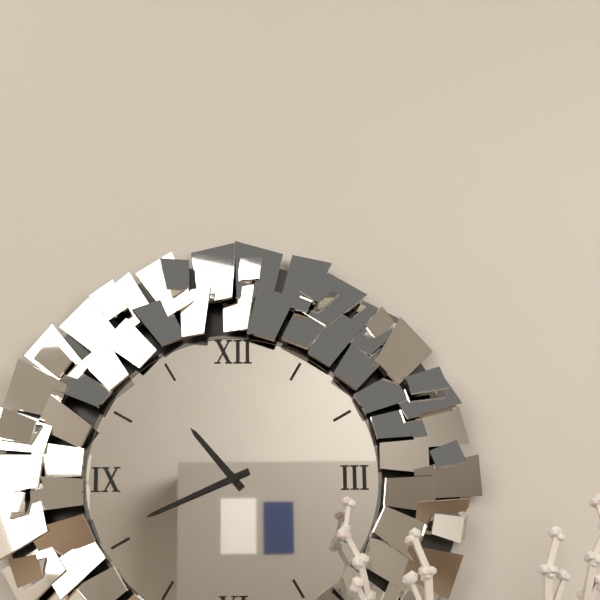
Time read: **10:41**
